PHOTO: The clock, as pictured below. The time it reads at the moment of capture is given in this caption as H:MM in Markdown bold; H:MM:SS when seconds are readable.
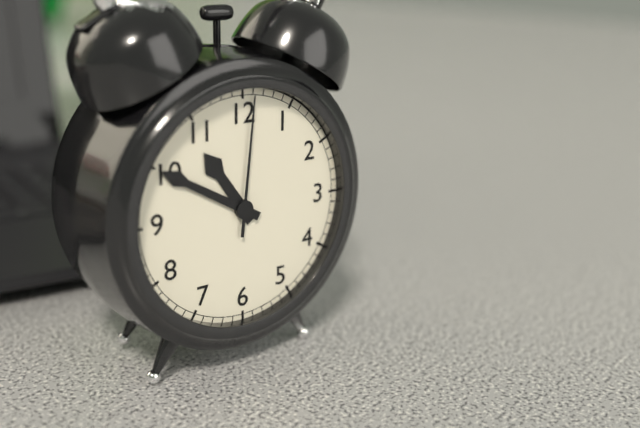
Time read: **10:50:01**
